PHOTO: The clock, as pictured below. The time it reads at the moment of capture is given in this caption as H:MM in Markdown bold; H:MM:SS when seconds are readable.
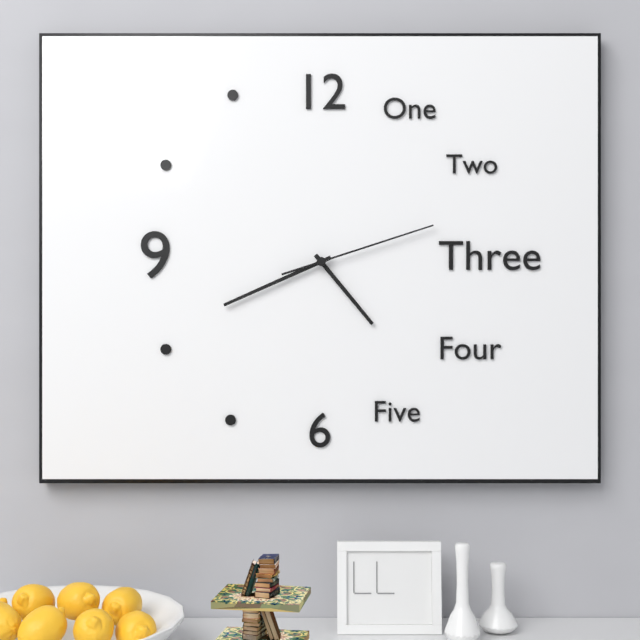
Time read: **4:41:12**
